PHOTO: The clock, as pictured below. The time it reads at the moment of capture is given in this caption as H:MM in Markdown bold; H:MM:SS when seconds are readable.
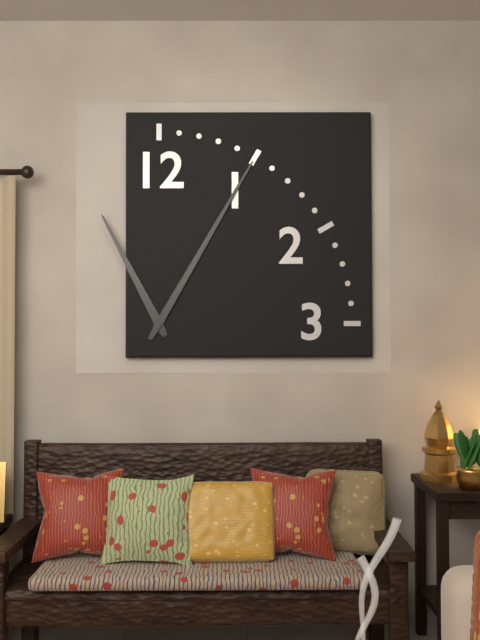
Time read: **11:05**
